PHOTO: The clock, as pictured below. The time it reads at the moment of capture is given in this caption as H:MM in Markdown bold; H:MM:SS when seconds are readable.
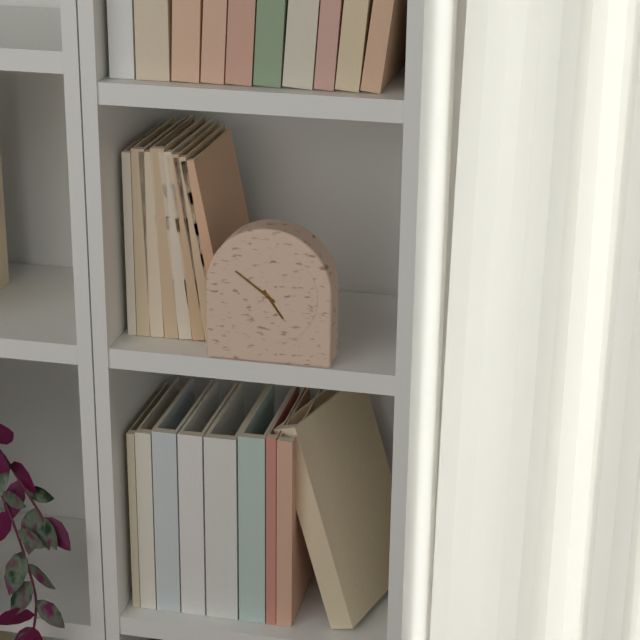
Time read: **4:51**
